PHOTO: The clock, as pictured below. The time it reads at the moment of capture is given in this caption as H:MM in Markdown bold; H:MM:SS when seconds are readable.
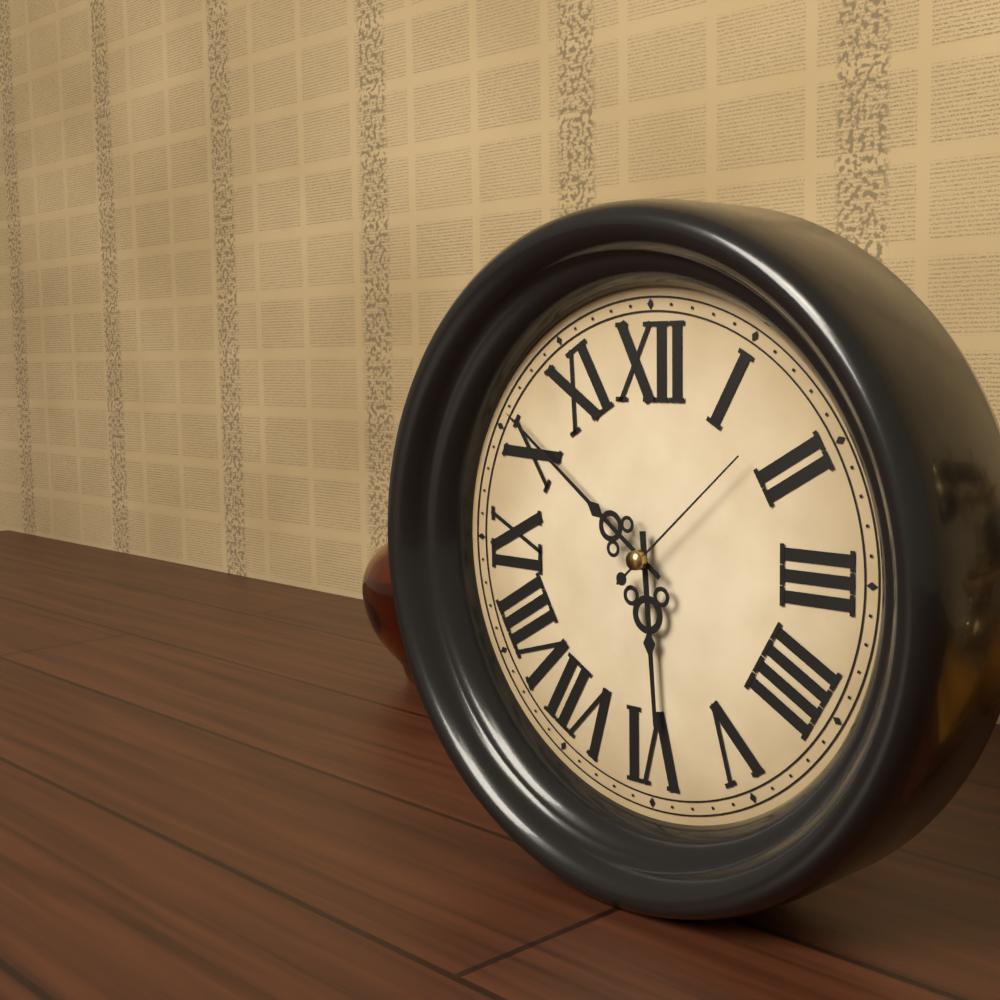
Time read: **5:51:08**
